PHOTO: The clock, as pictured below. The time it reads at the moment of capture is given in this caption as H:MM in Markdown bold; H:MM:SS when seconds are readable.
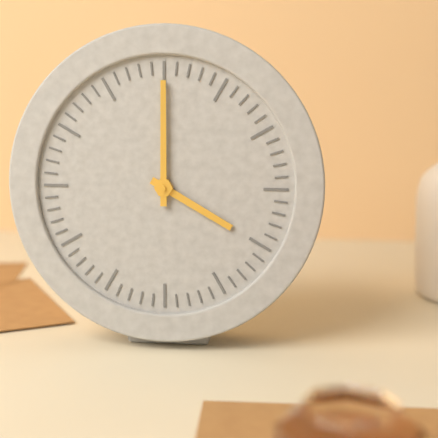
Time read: **4:00**
